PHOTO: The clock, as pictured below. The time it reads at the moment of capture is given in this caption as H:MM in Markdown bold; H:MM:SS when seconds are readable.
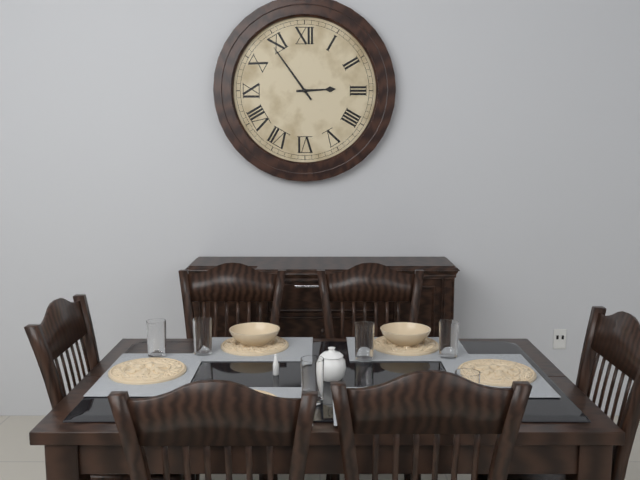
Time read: **2:54**
